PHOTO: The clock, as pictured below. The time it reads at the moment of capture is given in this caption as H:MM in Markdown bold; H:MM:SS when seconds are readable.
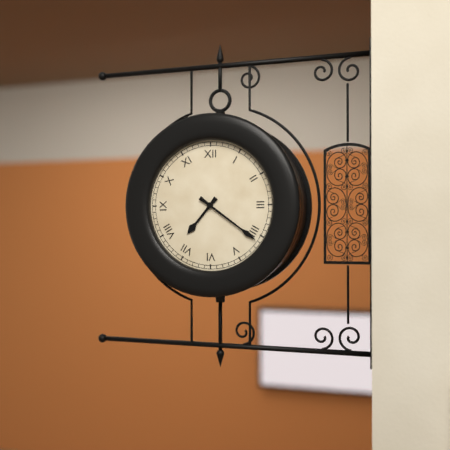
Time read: **7:21**
